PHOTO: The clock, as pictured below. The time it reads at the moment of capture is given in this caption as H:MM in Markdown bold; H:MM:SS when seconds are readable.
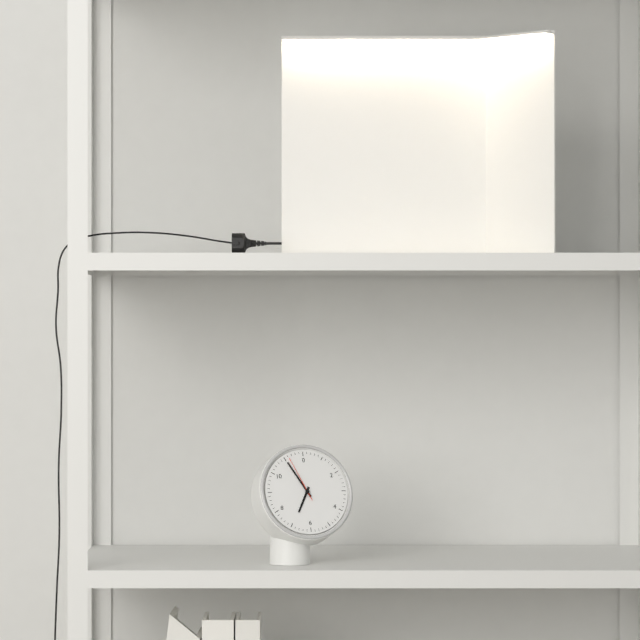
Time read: **6:55**
